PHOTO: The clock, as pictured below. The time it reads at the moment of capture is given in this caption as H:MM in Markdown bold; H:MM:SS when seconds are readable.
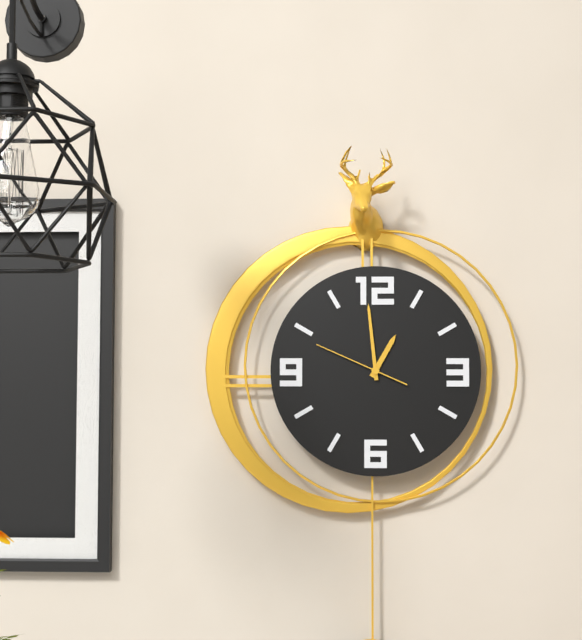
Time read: **12:59:49**
